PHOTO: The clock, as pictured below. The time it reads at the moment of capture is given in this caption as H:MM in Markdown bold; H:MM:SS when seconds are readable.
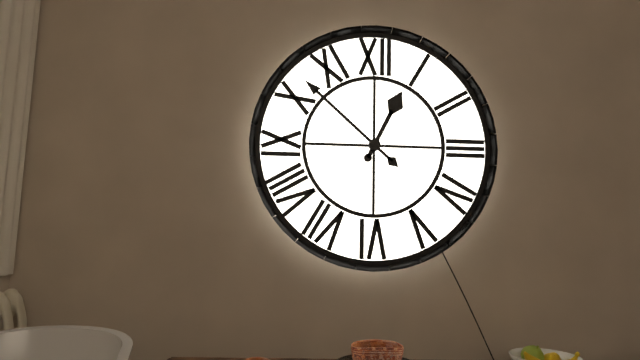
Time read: **12:52**
